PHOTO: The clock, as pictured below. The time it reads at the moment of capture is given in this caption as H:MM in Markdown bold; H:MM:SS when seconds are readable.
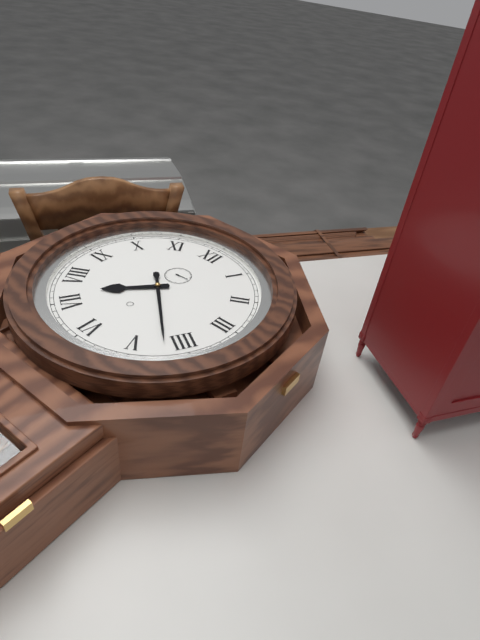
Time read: **7:22**
